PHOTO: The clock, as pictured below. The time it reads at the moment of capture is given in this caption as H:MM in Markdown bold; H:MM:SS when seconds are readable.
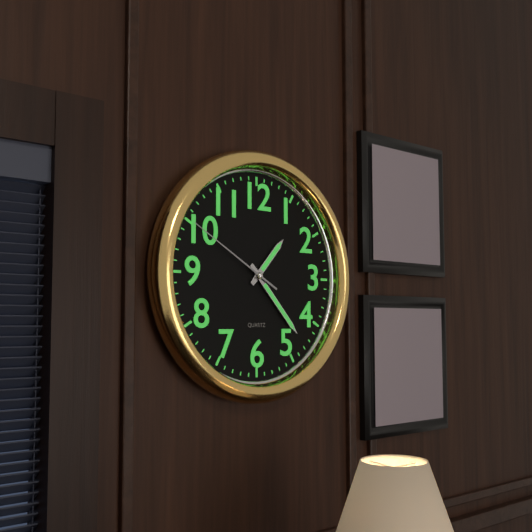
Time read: **1:23:50**
